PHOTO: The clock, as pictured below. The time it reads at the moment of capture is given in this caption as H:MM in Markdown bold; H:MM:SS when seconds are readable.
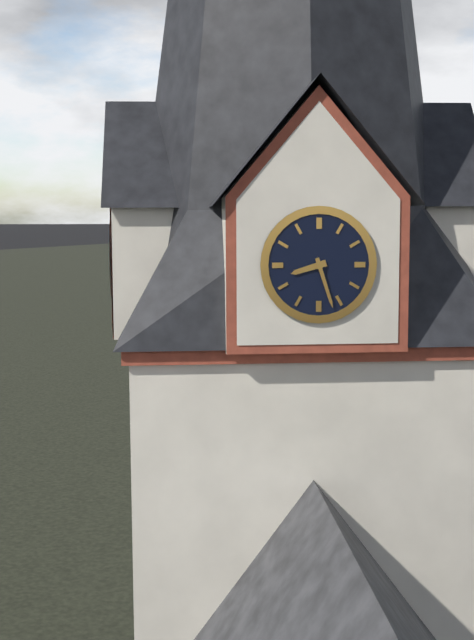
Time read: **8:27**
